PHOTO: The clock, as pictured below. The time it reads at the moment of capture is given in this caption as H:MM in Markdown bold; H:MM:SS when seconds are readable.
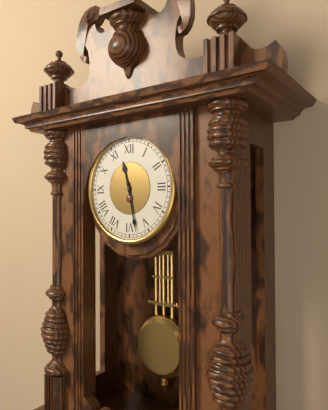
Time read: **11:28**
